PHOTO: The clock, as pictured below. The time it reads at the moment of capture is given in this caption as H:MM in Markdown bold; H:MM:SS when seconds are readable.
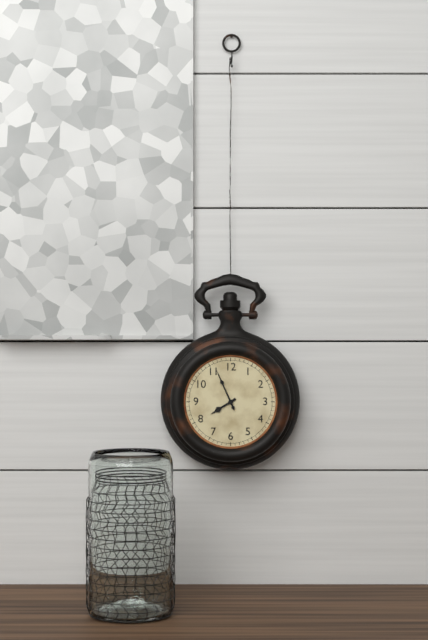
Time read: **7:56**
